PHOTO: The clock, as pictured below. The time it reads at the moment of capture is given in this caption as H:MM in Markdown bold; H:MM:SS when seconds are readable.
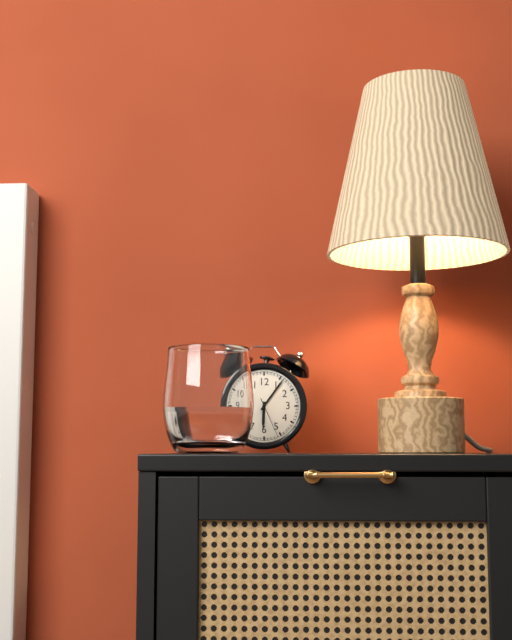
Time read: **6:06**
